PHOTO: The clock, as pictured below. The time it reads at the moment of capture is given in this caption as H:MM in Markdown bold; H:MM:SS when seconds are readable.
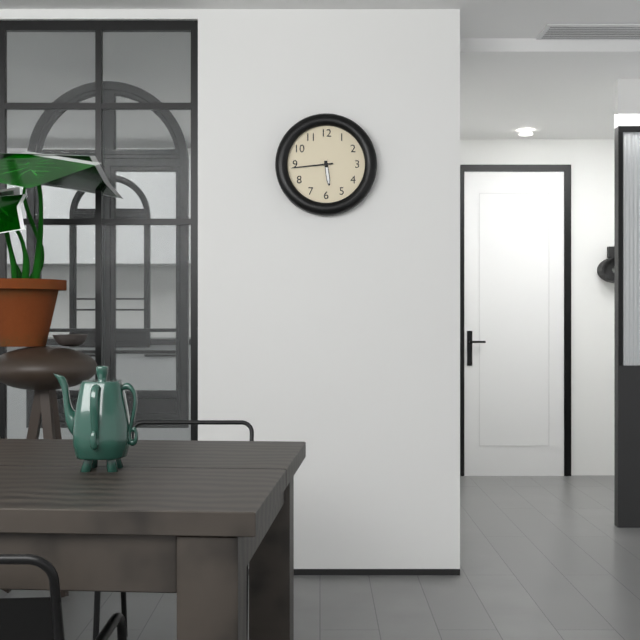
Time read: **5:44**
